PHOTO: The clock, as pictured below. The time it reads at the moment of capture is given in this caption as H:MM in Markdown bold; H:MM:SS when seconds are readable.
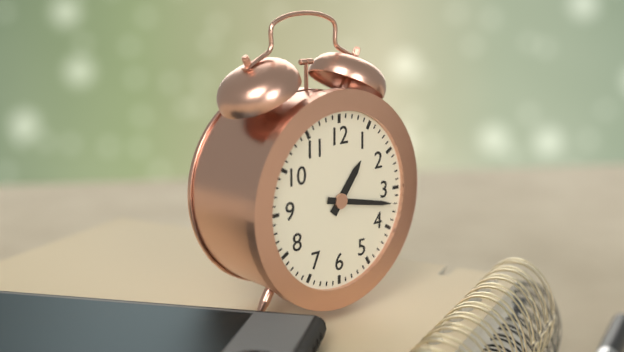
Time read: **1:17**
